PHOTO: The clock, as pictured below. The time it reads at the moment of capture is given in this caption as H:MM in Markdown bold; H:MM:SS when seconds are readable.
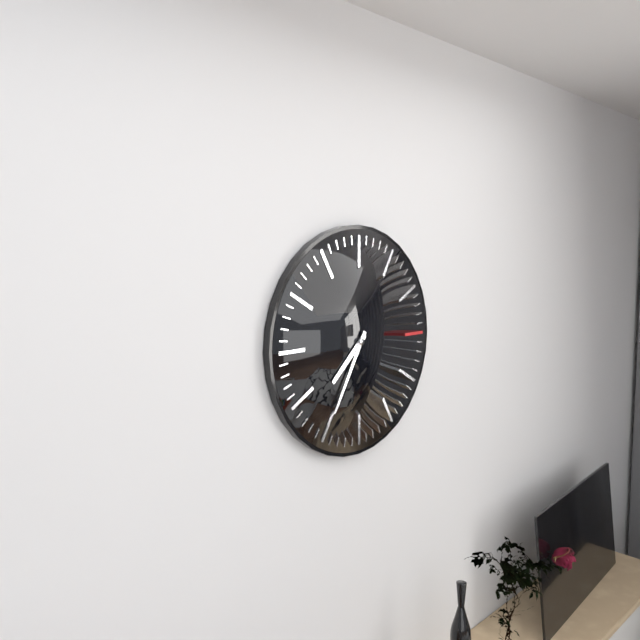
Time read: **7:35**
